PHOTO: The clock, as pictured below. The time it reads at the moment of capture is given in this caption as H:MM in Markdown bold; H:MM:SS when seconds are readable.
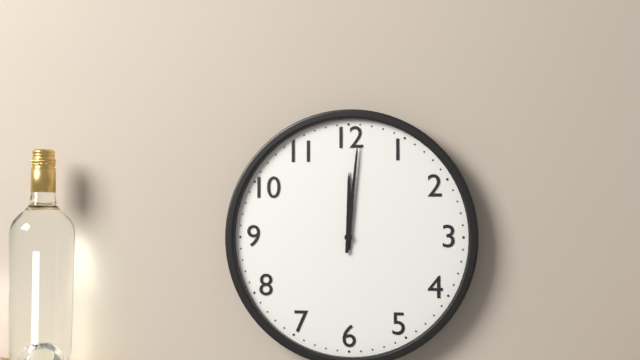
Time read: **12:01**
